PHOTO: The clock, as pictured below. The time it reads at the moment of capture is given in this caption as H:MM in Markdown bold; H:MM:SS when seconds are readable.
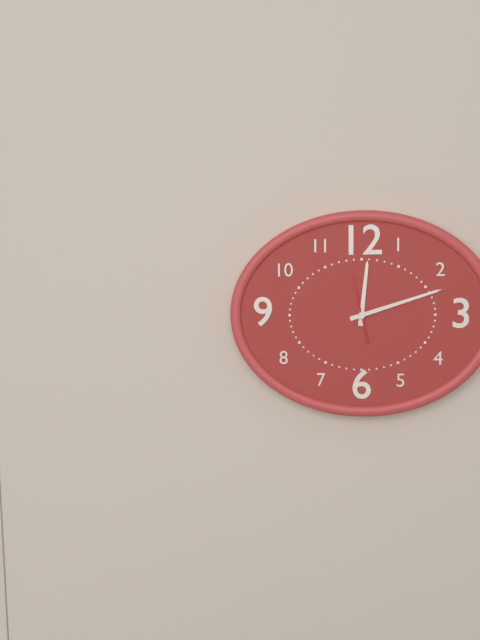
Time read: **12:12:58**
